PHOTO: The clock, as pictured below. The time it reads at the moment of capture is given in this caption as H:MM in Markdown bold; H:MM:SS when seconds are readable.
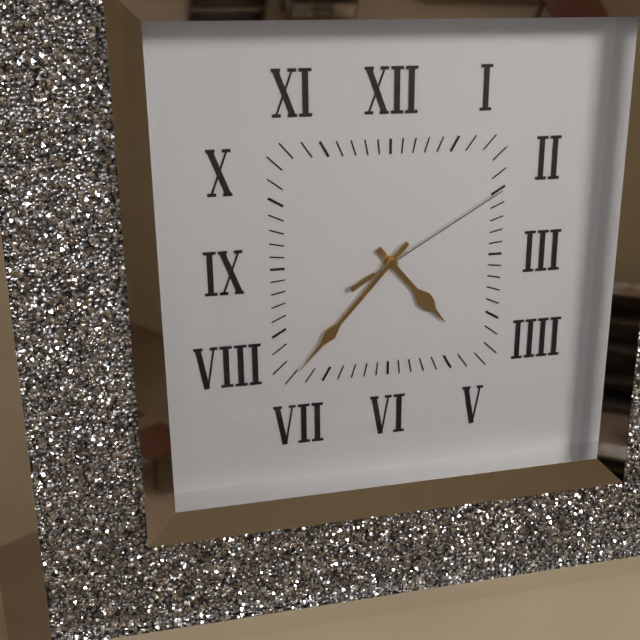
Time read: **4:37:10**
